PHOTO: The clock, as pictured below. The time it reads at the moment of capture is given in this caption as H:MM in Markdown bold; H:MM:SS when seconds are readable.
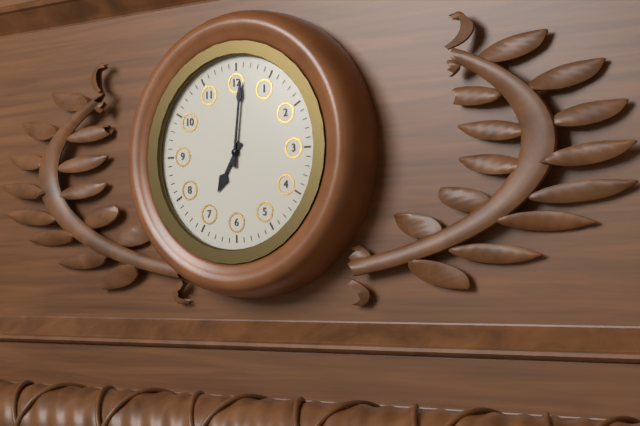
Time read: **7:01**
